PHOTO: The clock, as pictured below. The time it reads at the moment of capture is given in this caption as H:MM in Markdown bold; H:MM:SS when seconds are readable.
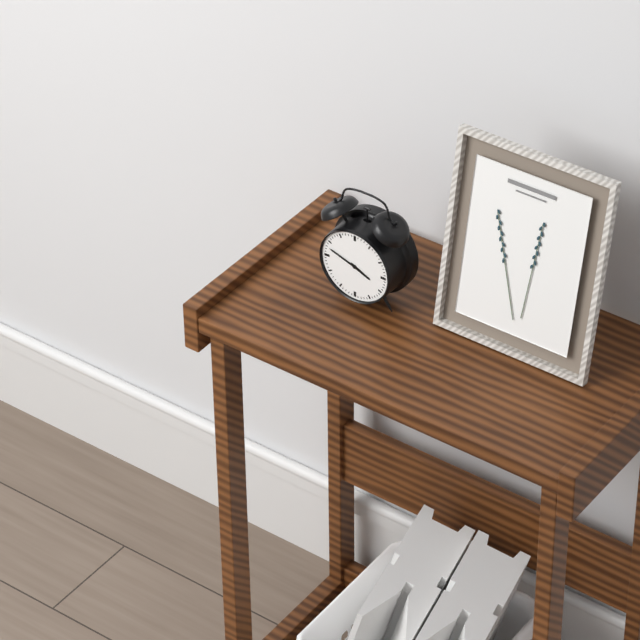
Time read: **3:48**
